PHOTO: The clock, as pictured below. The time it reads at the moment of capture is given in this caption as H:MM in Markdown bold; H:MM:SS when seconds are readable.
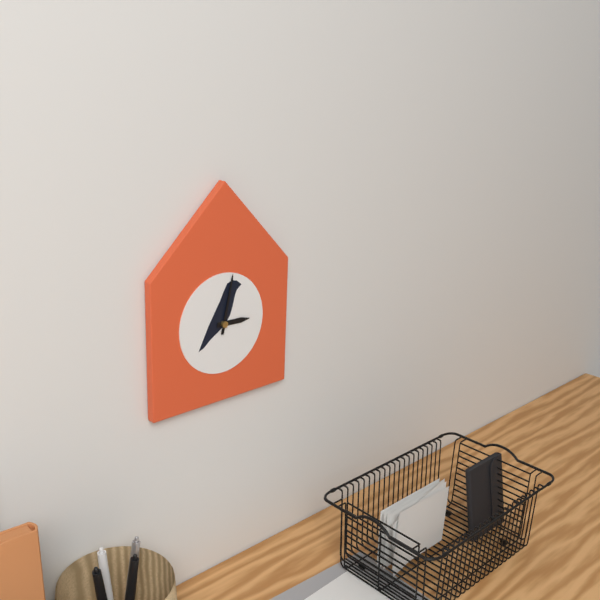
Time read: **3:02**
